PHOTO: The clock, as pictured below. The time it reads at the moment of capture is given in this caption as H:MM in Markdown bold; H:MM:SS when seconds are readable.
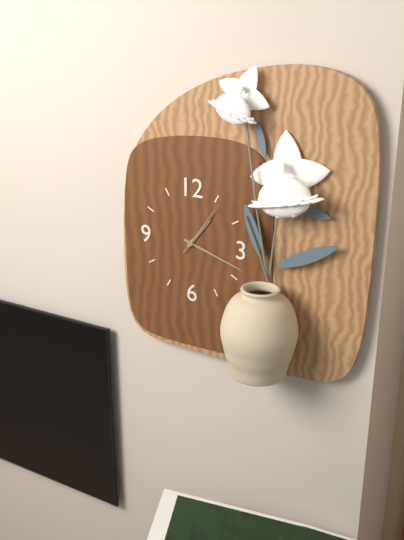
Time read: **1:18**
